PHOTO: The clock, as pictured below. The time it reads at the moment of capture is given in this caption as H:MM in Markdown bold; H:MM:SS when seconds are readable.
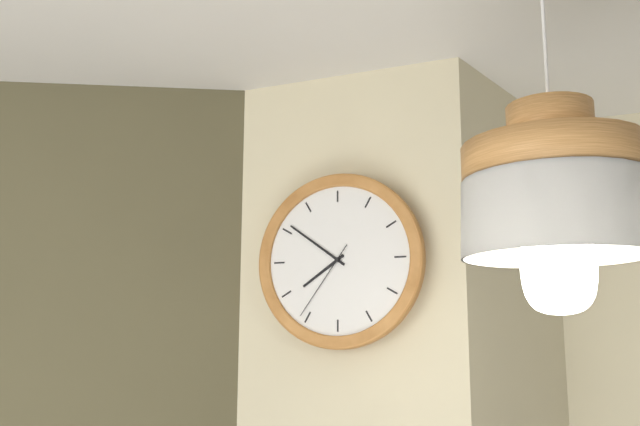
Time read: **7:51:36**
